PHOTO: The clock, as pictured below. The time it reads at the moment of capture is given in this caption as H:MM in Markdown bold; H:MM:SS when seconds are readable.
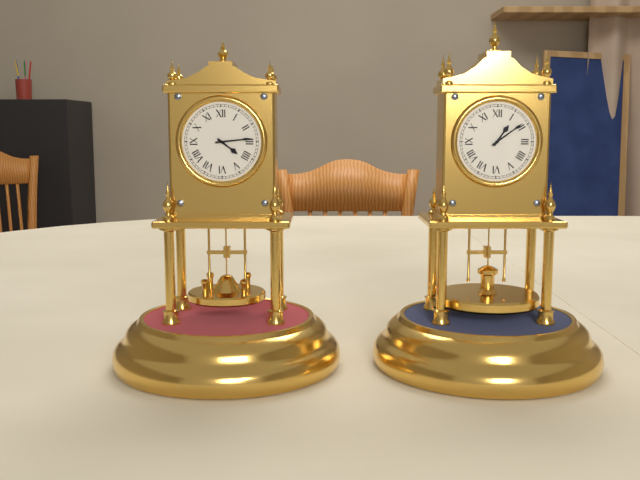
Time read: **4:14**
